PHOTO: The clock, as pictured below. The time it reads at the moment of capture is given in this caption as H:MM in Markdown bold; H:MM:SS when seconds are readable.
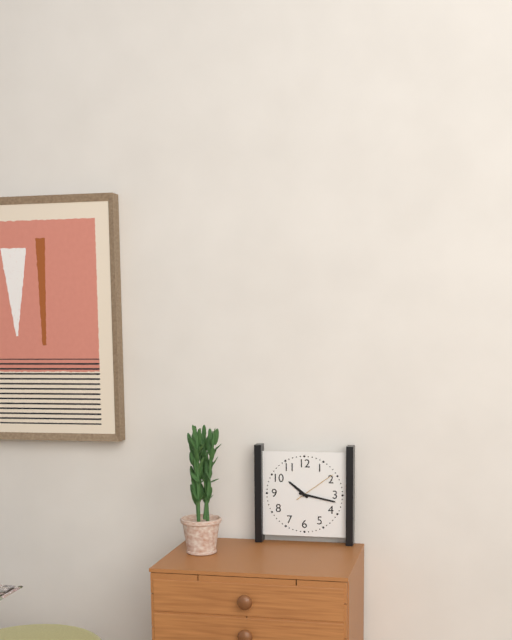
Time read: **10:17**
